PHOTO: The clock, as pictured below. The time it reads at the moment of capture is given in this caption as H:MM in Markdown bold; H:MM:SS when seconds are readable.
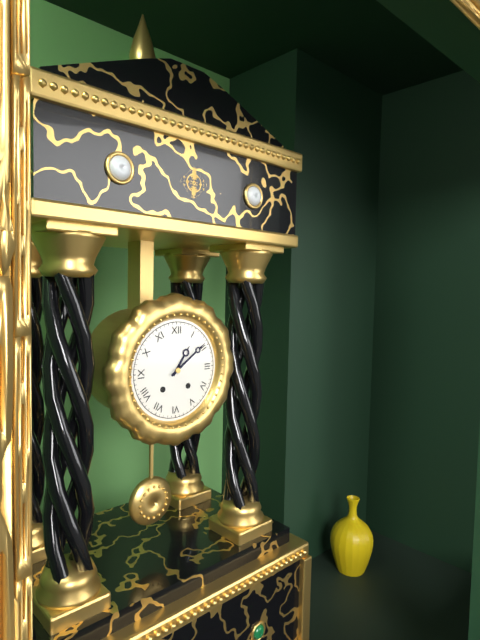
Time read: **1:09**
